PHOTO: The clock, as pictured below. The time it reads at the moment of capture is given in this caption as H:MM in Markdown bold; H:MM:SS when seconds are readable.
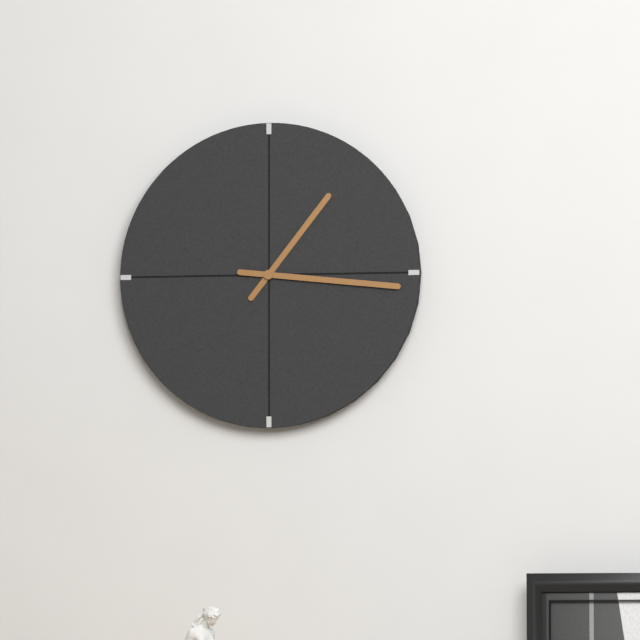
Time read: **1:16**
